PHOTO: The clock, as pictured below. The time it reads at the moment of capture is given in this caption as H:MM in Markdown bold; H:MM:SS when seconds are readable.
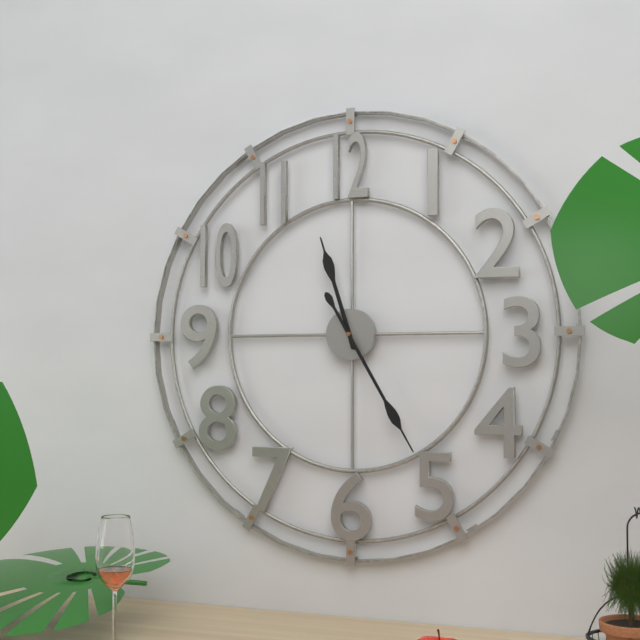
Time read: **11:25**
